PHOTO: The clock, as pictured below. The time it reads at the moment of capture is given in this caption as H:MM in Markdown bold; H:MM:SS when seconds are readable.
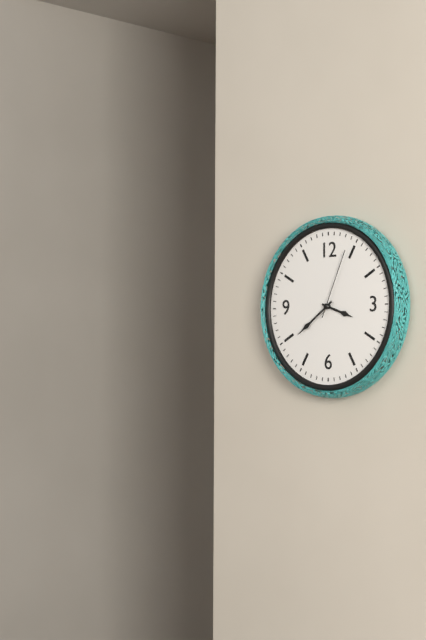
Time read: **3:39:04**
